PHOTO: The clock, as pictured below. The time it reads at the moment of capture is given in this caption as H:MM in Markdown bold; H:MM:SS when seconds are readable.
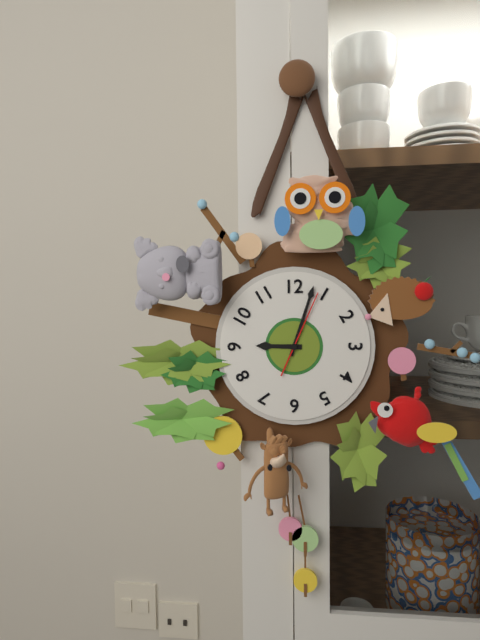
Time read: **9:03:04**
